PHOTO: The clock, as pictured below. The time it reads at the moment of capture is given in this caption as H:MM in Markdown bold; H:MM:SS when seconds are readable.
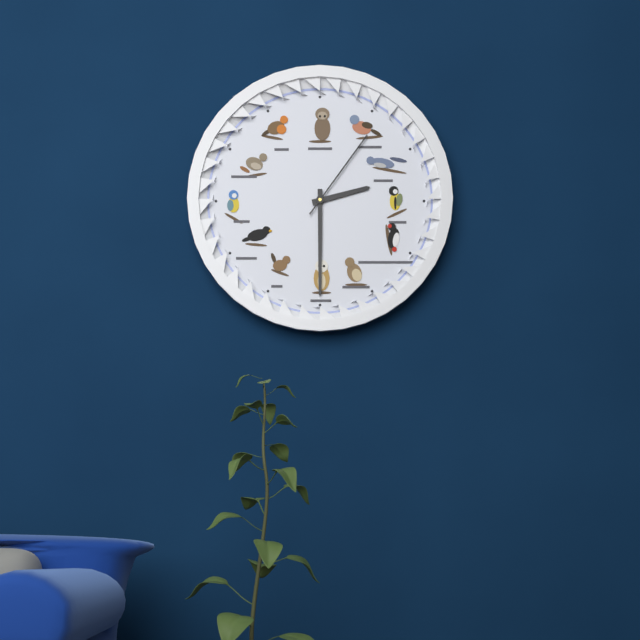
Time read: **2:30:06**
